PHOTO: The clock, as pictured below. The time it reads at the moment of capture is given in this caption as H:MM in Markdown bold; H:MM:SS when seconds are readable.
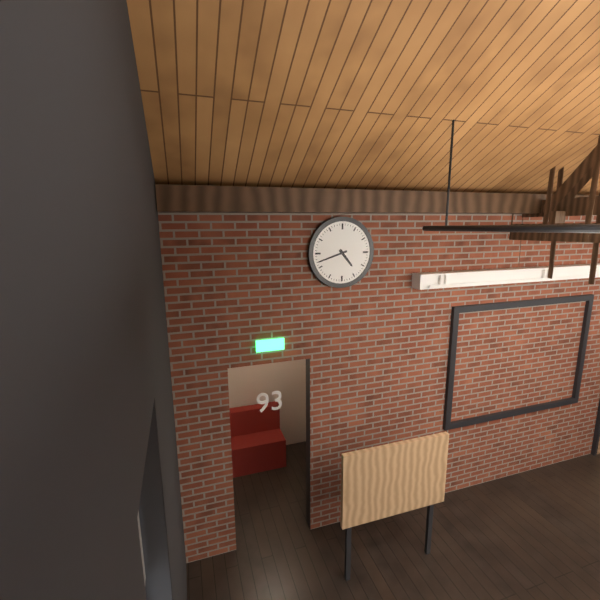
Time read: **4:42**
